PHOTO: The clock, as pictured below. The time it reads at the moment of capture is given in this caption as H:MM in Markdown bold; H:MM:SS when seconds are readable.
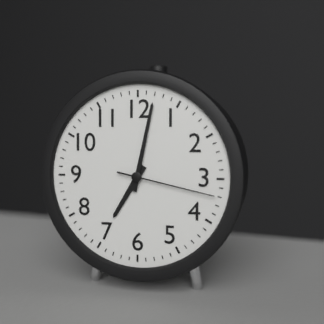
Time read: **7:02:17**
